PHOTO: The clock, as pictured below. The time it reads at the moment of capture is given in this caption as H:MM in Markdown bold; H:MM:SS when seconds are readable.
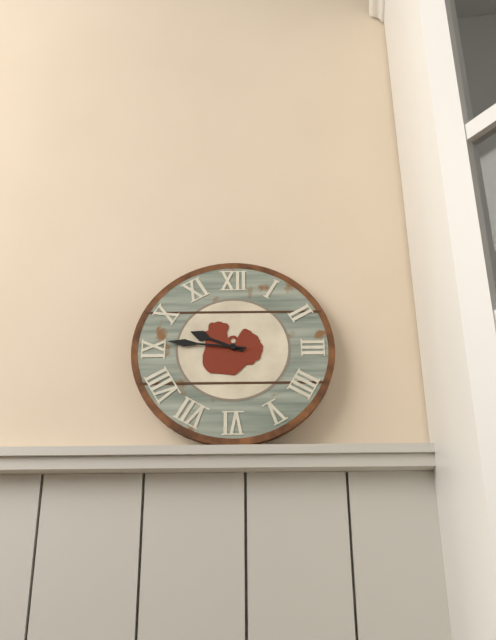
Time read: **9:46**
